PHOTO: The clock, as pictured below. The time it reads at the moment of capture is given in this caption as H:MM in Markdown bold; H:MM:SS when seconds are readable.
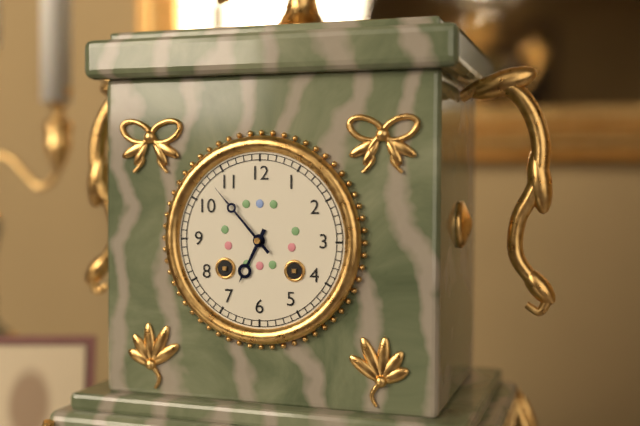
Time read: **6:53**
